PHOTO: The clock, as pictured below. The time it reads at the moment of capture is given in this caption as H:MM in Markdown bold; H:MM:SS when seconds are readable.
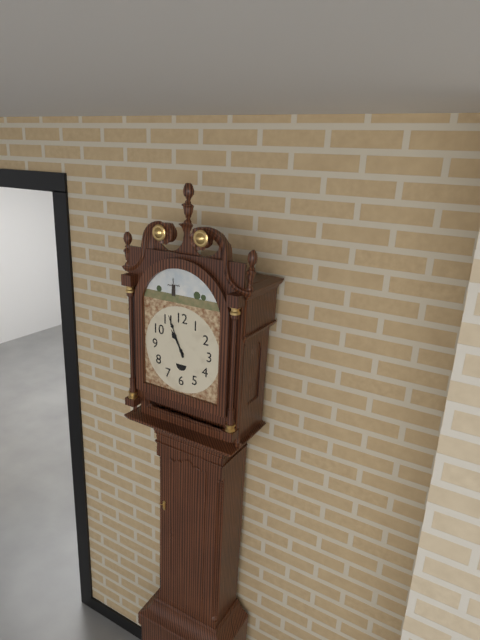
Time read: **10:56**
